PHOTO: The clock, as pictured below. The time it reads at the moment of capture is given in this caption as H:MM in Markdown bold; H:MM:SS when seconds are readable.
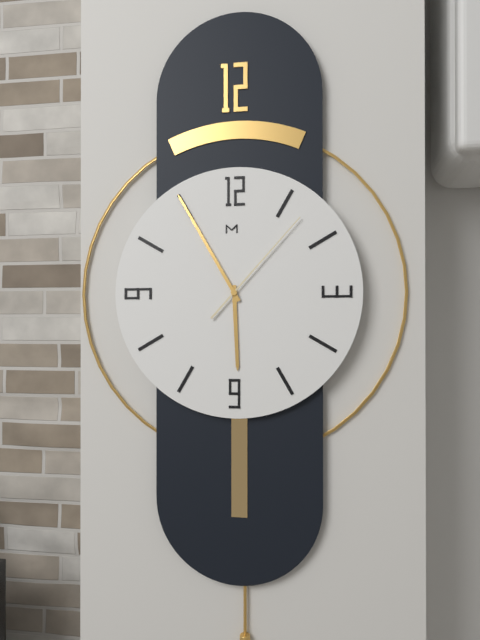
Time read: **5:55:07**
